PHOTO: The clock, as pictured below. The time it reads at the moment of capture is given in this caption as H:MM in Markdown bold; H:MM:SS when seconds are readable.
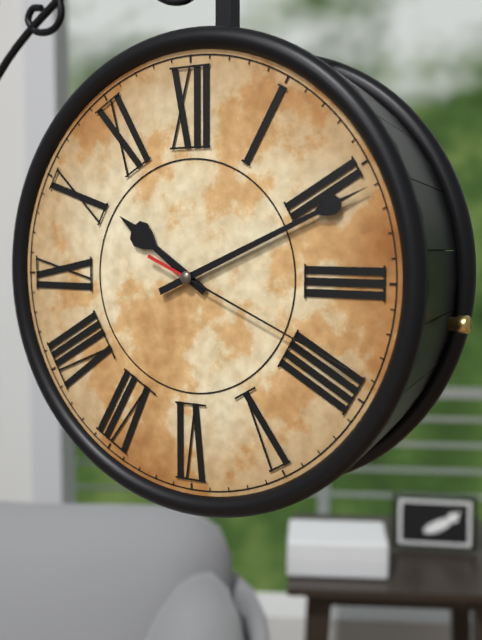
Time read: **10:11:19**
